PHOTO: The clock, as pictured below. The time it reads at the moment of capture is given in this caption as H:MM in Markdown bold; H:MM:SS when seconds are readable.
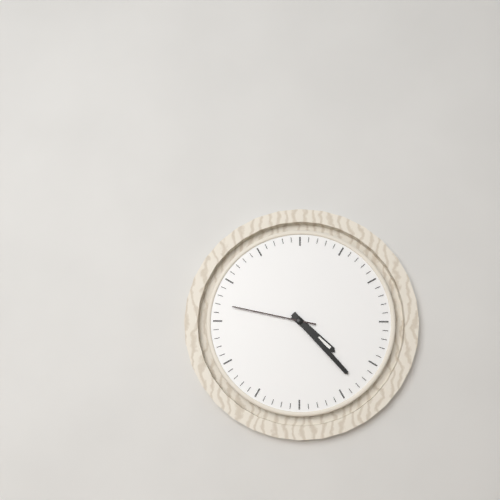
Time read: **4:23:47**
